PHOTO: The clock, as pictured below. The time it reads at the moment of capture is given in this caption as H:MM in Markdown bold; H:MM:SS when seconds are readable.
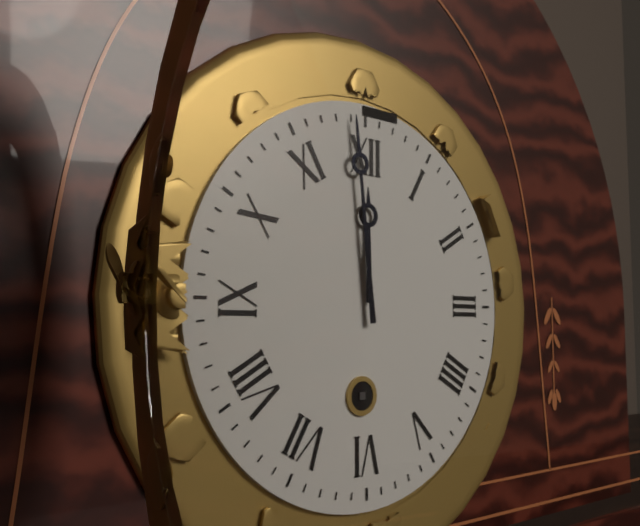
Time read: **11:59**
